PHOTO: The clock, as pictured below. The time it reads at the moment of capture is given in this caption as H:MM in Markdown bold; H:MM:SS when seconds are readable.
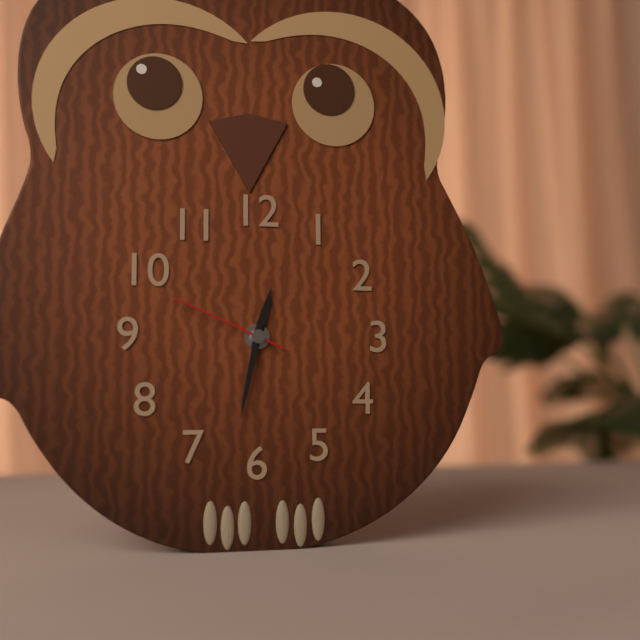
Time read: **12:32:49**
